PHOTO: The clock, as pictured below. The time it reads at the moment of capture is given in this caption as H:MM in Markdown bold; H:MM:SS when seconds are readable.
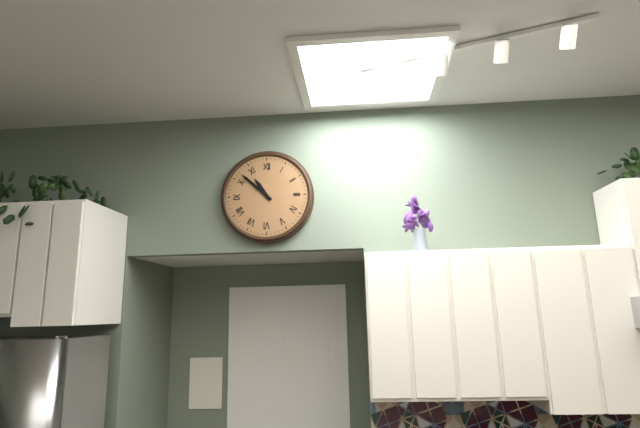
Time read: **10:52**
